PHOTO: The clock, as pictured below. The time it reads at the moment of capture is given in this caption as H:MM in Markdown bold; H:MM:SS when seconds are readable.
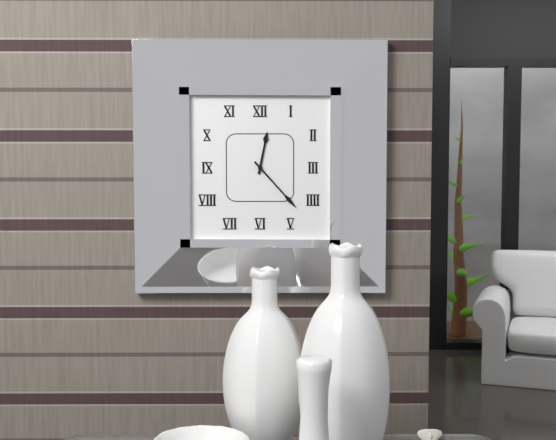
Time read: **12:23**
